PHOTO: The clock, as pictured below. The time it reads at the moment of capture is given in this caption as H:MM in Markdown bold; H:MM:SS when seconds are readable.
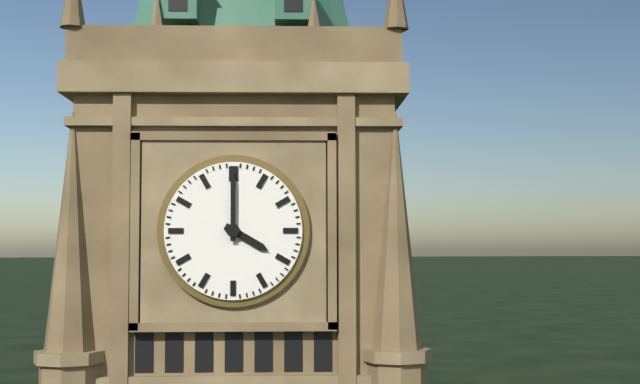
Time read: **4:00**
